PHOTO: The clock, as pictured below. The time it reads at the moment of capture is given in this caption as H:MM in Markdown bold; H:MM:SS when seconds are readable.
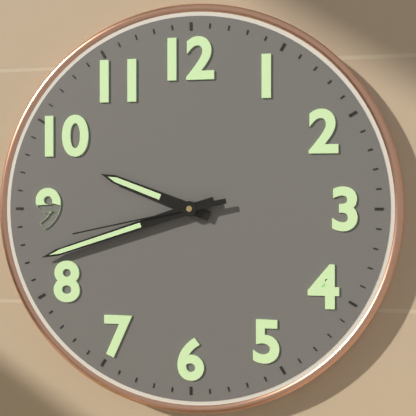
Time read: **9:42:43**
